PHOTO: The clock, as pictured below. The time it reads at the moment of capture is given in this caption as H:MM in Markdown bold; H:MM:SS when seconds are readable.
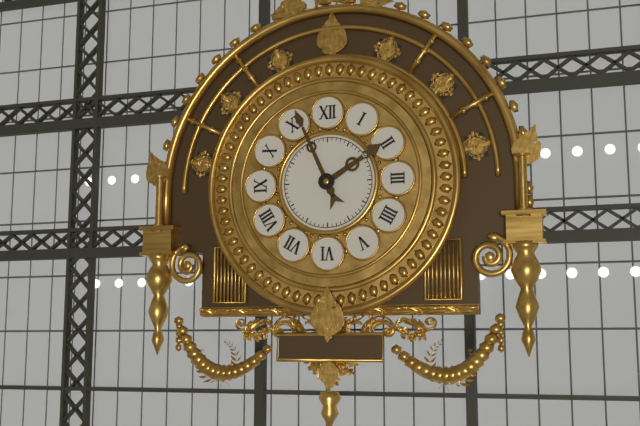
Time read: **1:56**
